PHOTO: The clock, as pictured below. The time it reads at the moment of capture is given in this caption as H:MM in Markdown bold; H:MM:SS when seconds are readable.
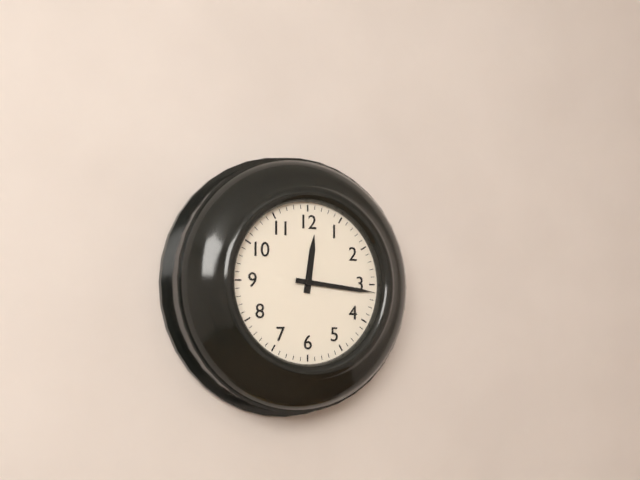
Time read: **12:16**
